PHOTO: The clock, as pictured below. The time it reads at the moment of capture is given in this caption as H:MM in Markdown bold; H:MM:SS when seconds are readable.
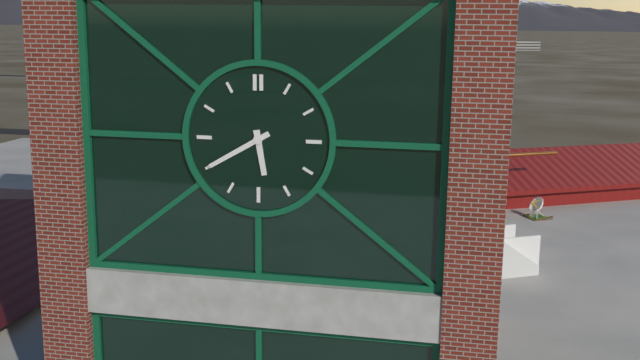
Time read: **5:40**
